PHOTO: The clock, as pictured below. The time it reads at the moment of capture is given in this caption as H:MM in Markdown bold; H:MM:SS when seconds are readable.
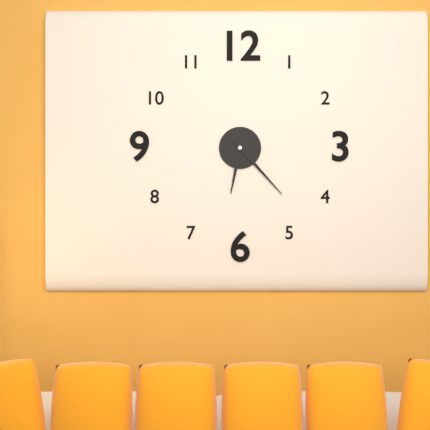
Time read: **6:23**
